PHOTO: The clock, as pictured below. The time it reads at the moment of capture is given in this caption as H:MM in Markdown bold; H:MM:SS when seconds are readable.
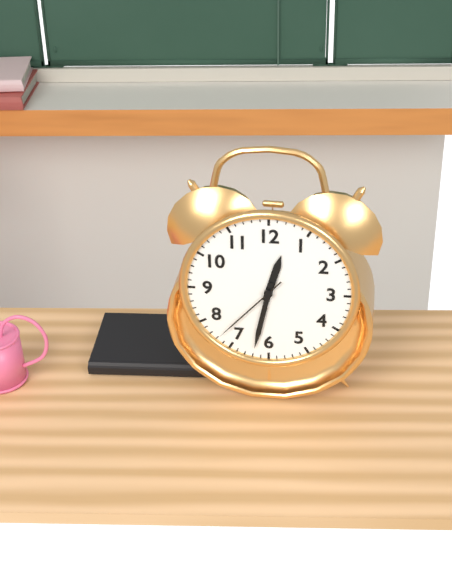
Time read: **12:32:37**
